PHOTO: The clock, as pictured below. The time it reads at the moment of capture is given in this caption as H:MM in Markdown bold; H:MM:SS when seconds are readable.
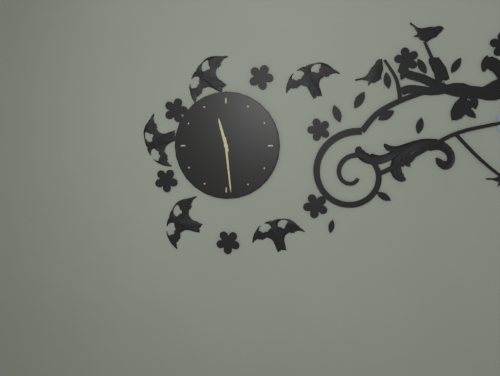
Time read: **11:29**
